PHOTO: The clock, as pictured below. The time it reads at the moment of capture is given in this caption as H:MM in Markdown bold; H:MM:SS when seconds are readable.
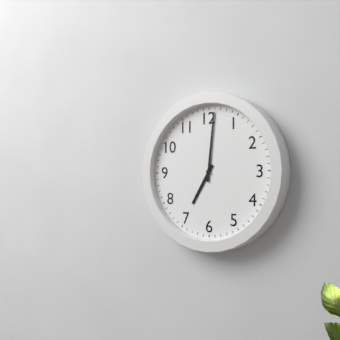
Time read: **7:01**
